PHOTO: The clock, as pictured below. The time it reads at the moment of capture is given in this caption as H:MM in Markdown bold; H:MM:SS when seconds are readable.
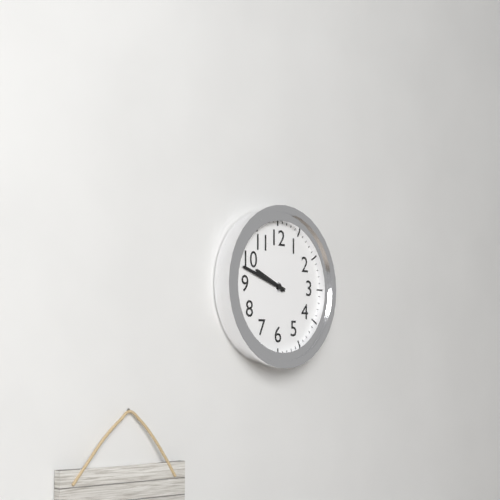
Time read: **9:48**
